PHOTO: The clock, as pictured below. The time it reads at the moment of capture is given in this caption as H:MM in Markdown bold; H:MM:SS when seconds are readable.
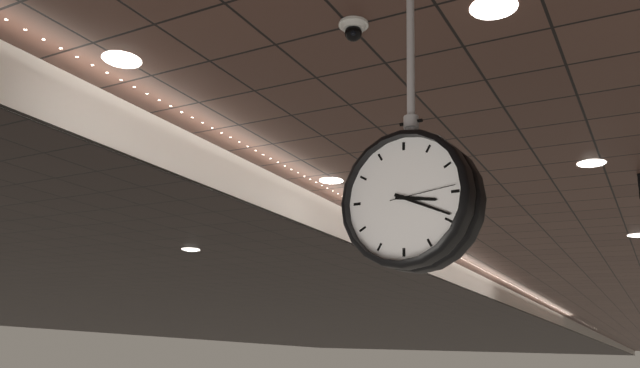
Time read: **3:19:14**
